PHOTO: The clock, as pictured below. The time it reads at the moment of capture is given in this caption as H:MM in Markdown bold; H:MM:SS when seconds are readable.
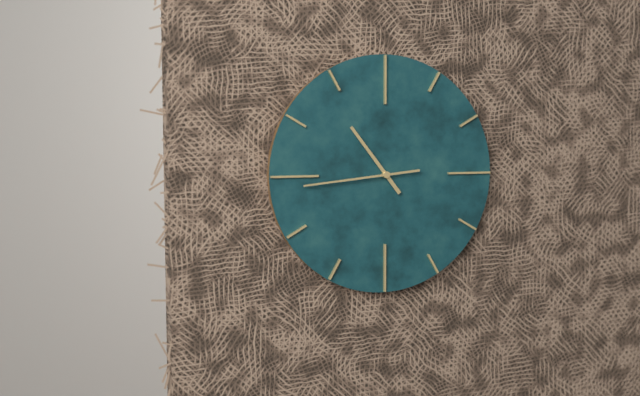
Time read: **10:44**
